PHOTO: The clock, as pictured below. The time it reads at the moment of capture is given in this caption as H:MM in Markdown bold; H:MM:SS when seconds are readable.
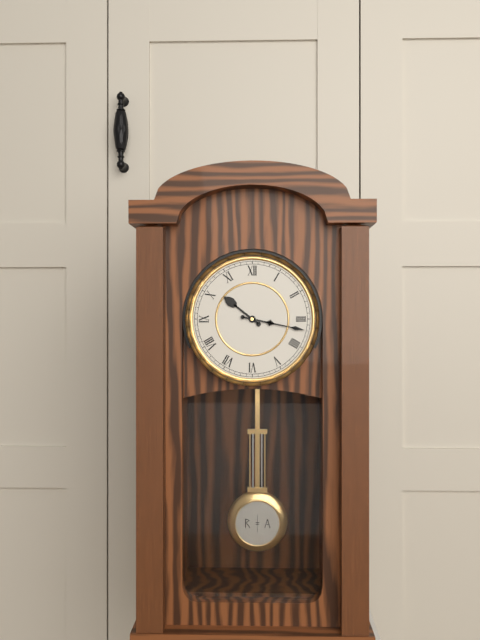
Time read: **10:17**
